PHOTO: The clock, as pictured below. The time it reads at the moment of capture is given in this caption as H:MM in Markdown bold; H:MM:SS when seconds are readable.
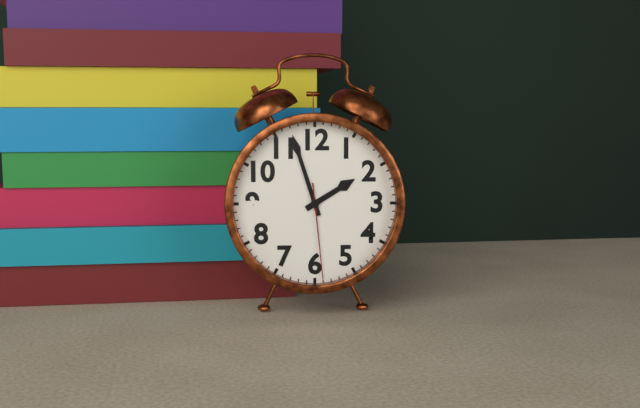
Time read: **1:57:29**
